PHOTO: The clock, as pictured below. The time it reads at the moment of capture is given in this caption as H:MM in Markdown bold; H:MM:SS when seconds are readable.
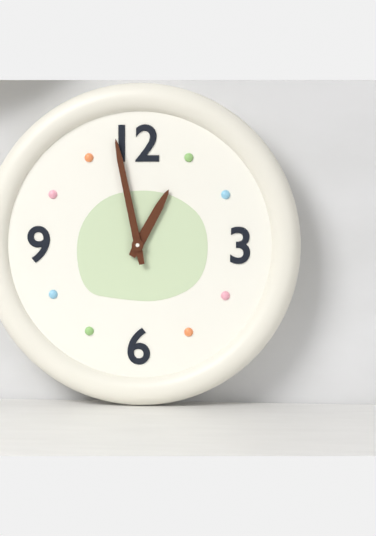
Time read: **12:58**
